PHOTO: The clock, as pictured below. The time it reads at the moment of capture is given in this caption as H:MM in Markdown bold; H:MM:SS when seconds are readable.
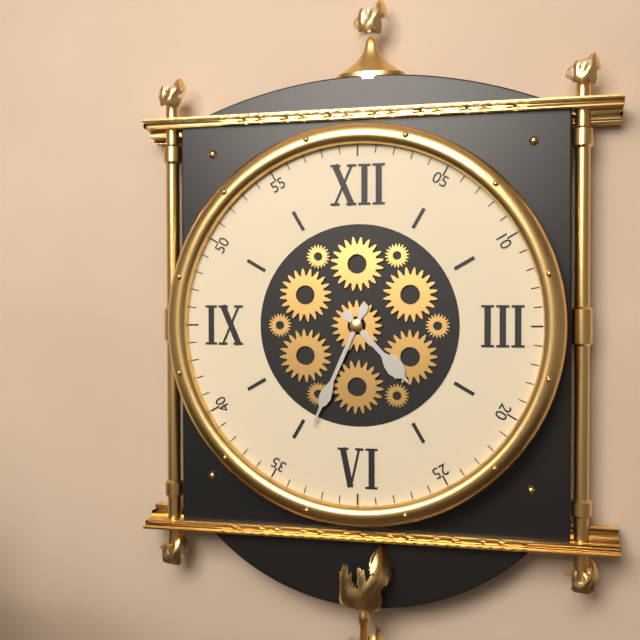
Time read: **4:34**
